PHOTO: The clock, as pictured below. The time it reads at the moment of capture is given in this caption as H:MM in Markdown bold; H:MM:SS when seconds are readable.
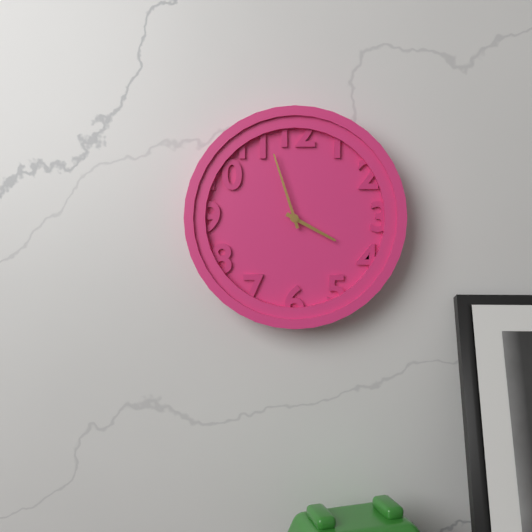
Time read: **3:57**
